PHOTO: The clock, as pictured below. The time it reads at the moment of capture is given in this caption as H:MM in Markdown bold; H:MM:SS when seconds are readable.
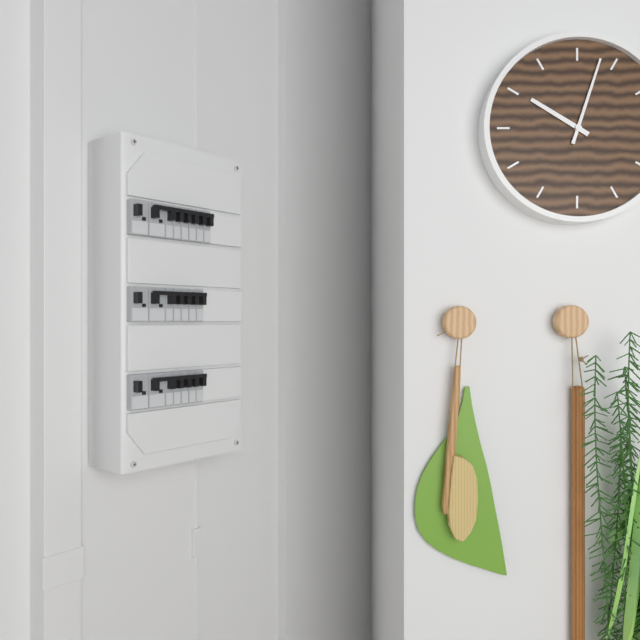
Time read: **10:03**
